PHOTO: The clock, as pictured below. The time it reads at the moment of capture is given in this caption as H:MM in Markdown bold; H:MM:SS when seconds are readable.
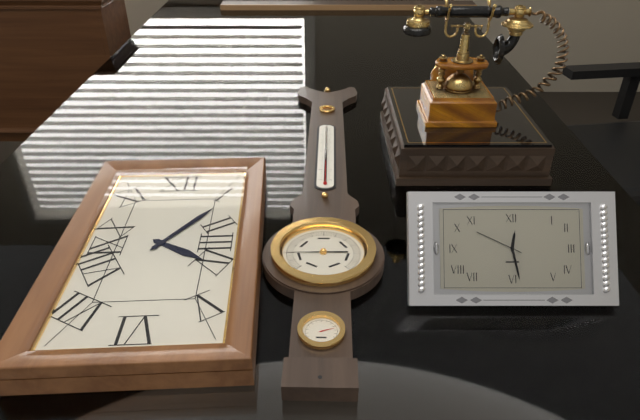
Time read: **4:06**
